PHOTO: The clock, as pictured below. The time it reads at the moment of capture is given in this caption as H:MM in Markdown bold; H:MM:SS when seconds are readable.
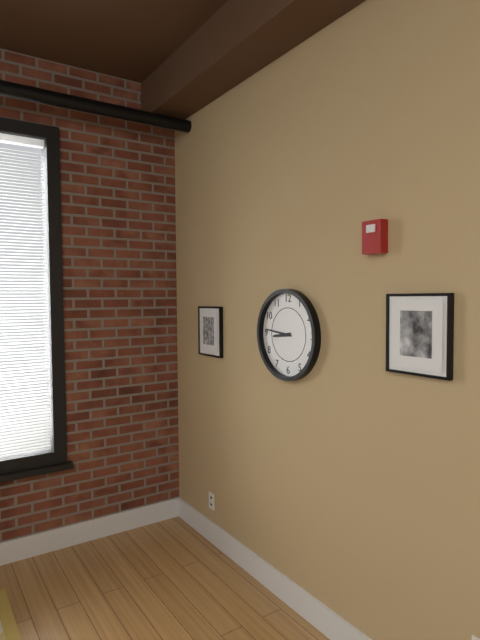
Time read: **8:46**
